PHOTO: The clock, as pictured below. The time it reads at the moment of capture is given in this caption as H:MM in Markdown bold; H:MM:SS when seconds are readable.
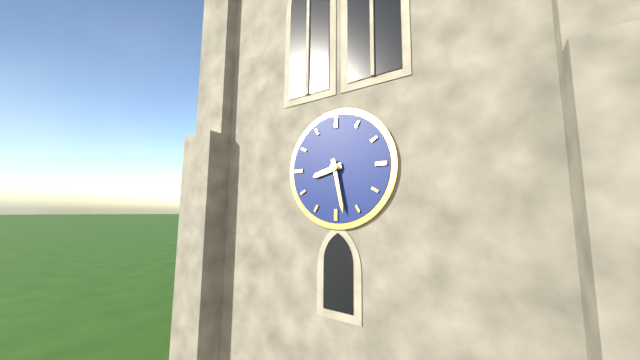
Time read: **8:28**
